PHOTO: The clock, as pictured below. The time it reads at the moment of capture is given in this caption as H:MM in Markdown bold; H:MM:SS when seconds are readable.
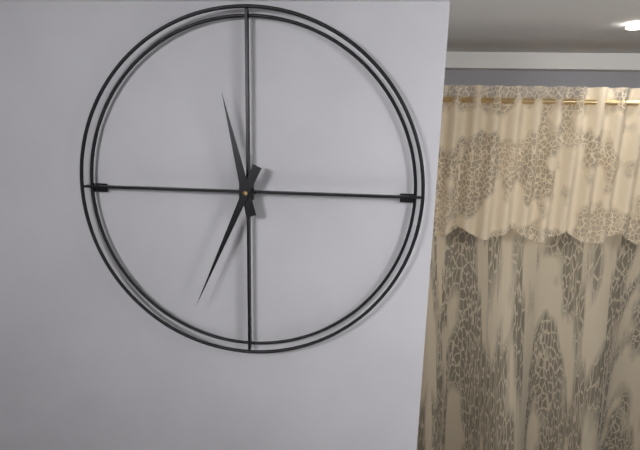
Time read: **11:34**
